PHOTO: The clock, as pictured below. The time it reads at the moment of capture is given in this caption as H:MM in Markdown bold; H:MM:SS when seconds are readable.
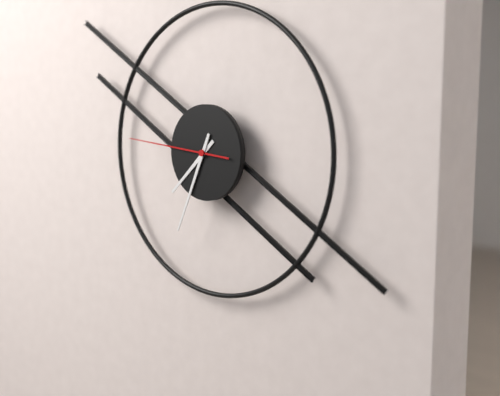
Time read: **7:34:46**
